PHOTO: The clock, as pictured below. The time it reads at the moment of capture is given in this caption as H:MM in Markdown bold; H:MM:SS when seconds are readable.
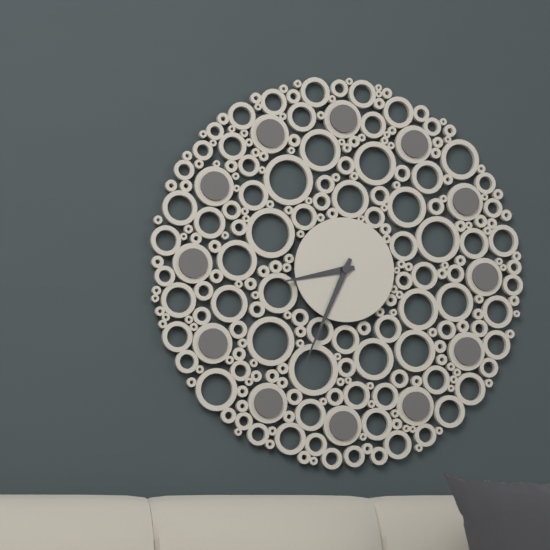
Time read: **8:34**
